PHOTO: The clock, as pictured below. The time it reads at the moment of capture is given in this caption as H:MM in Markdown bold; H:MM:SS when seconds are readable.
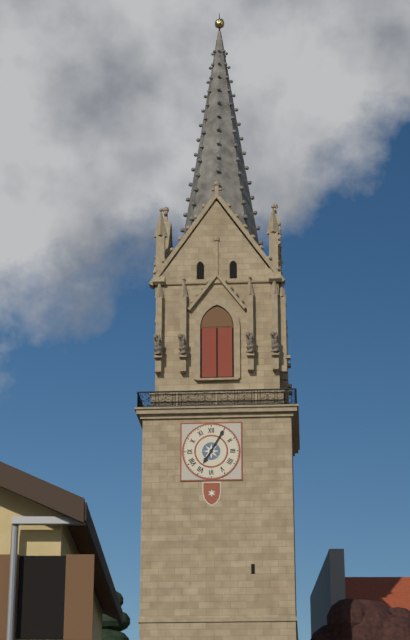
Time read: **7:05**
